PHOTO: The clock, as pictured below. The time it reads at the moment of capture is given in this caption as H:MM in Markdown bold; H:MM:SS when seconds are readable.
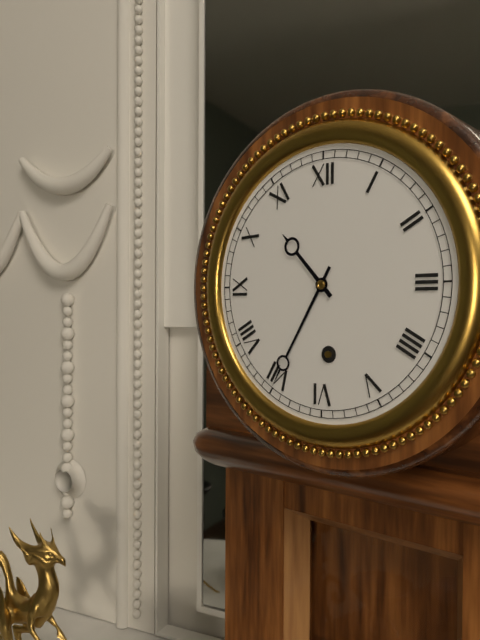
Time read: **10:35**
